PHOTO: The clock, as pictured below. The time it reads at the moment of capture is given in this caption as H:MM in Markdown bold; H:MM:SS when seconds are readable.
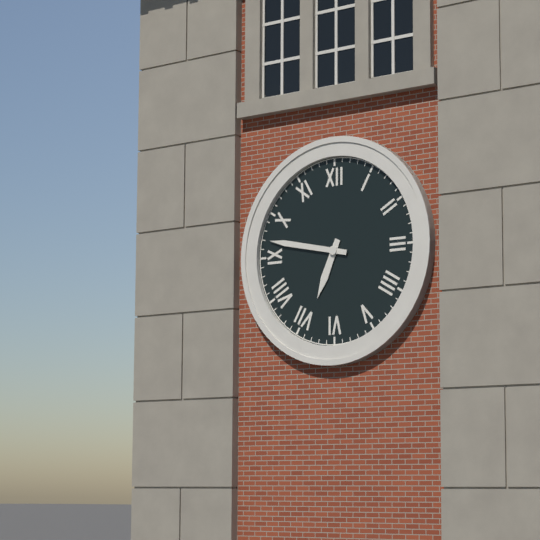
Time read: **6:47**
